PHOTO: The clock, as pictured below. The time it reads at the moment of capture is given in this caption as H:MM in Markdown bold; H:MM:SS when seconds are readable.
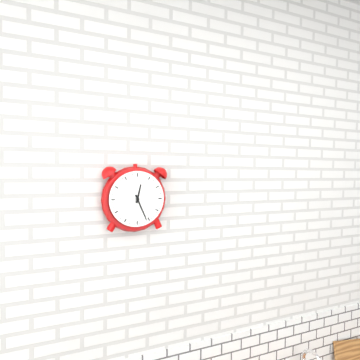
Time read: **12:26**
